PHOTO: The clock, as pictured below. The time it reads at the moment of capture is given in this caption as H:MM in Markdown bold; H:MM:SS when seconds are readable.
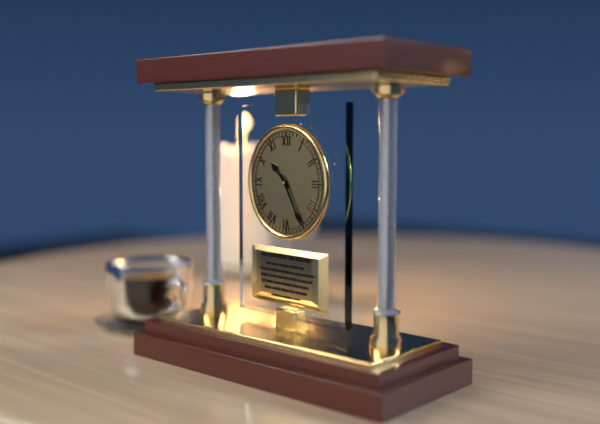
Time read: **10:25**
